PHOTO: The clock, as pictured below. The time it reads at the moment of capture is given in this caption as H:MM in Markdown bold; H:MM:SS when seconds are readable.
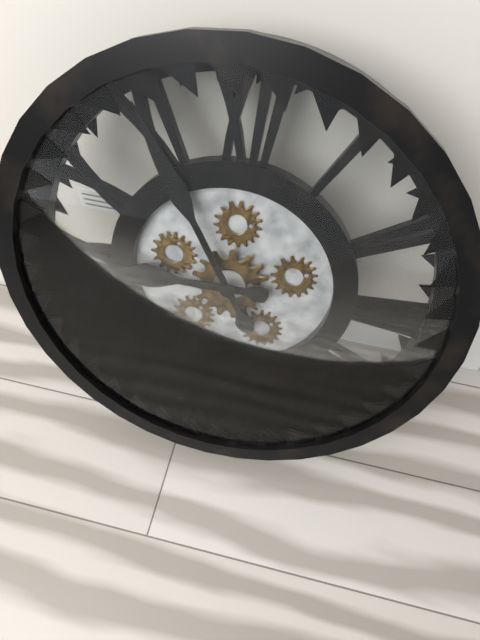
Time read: **8:55**
